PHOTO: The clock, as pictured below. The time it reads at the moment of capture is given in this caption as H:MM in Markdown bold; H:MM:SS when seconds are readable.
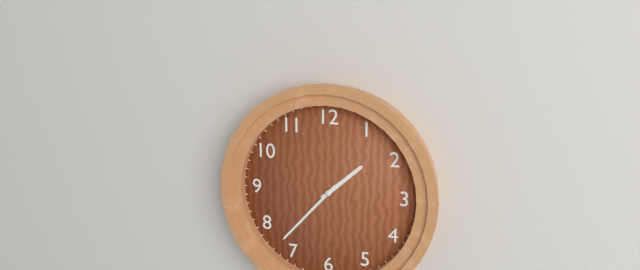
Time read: **1:37**
